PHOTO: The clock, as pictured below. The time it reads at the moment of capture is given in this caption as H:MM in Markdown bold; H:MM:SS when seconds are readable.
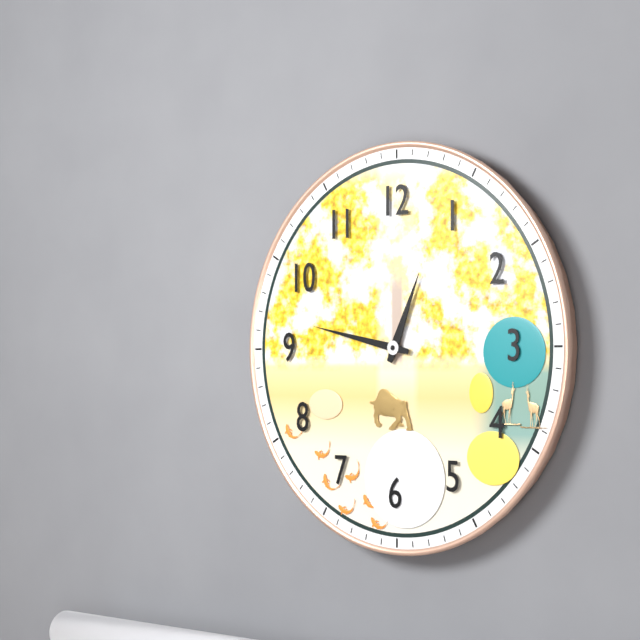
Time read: **12:47**
